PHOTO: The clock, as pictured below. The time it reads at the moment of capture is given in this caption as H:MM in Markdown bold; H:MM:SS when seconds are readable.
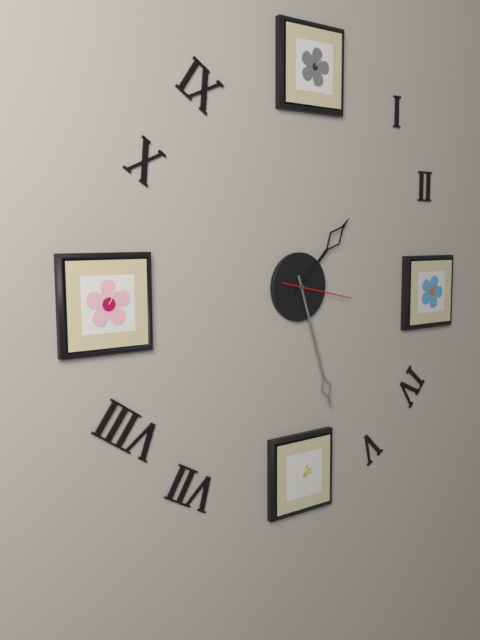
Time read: **1:27:17**
